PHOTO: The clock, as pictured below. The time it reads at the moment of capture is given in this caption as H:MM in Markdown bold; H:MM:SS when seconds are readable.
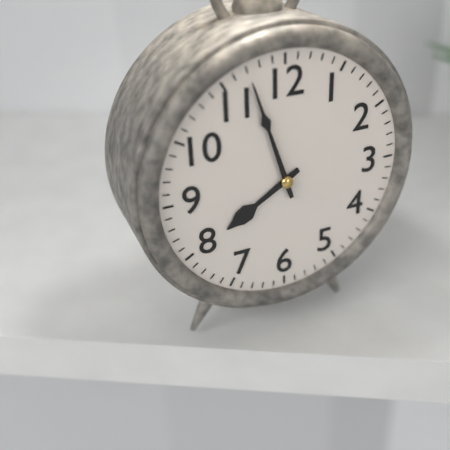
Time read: **7:57**
